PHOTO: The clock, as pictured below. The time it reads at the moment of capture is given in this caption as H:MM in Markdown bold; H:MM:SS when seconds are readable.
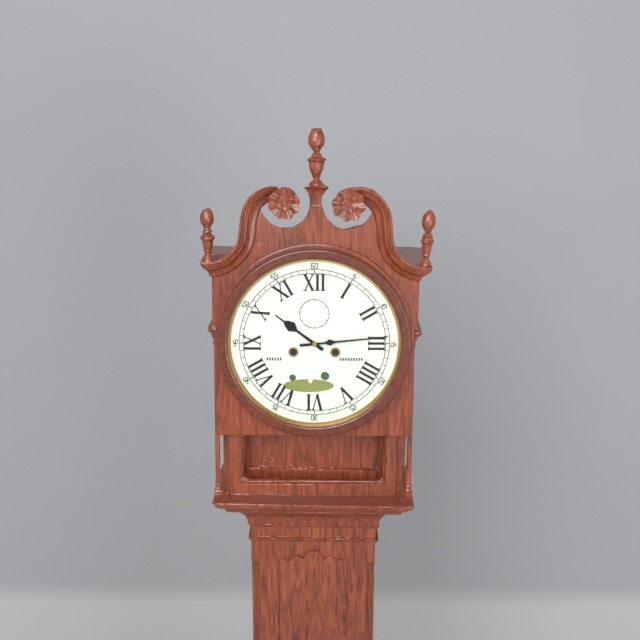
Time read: **10:14**
